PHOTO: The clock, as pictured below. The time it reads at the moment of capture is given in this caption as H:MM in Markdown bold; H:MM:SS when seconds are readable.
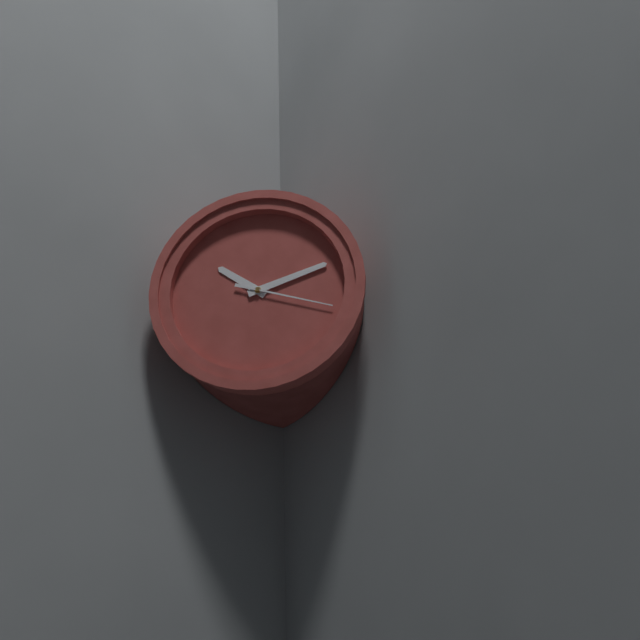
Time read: **10:12:18**
